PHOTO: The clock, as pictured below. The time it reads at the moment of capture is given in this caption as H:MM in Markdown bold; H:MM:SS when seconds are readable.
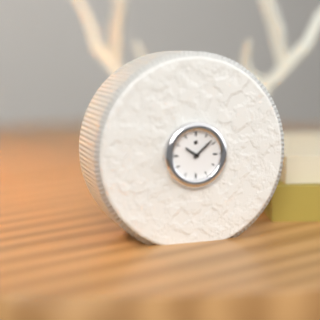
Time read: **10:08**
